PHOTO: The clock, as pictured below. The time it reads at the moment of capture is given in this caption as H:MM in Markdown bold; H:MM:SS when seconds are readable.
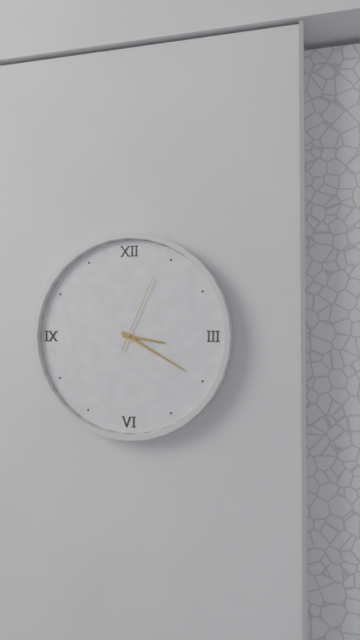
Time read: **3:20:04**
